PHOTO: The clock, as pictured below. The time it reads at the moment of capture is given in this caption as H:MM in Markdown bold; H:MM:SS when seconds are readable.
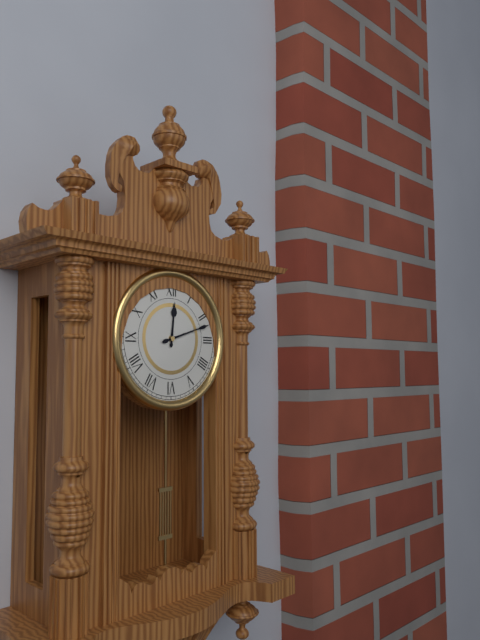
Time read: **12:12**
